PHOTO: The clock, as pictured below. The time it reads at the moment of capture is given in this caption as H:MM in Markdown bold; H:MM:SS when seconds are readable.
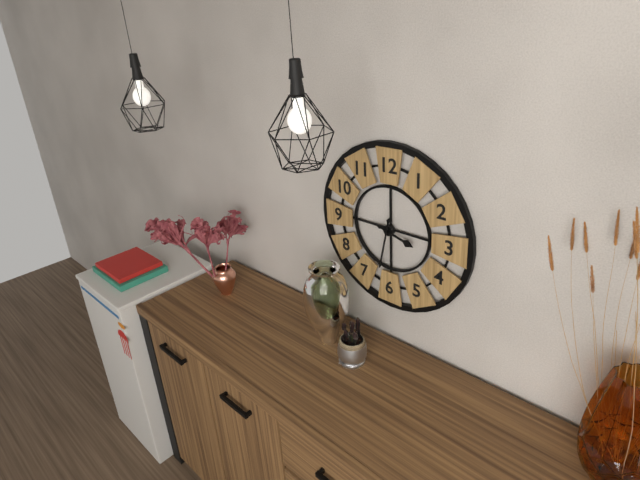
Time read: **3:32**
